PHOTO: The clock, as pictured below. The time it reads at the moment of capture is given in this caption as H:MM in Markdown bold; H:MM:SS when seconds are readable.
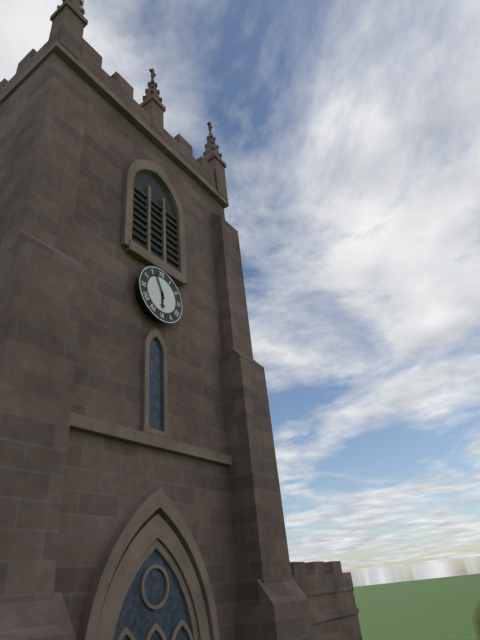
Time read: **5:56**
